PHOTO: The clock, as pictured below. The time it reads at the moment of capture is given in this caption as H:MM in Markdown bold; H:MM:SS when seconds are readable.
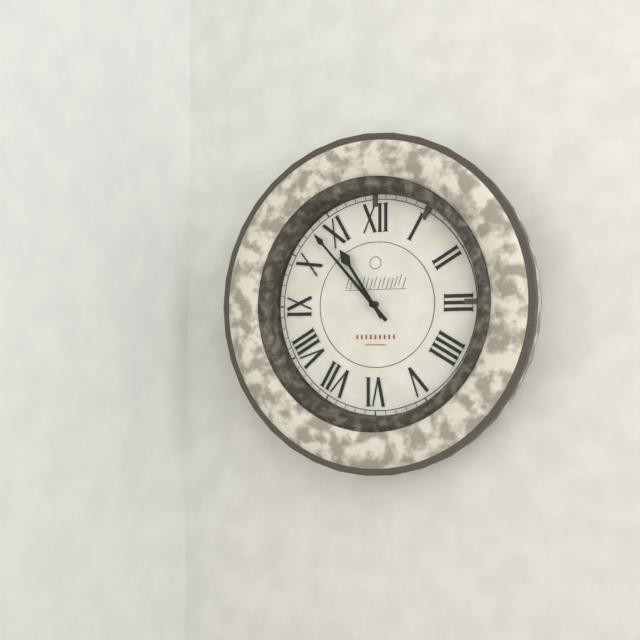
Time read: **10:53**
